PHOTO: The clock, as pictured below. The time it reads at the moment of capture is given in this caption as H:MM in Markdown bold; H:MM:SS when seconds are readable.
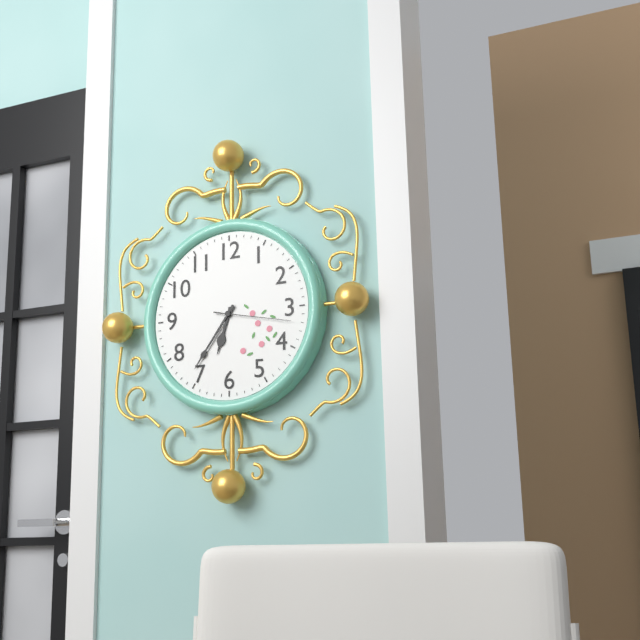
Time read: **6:36:17**
